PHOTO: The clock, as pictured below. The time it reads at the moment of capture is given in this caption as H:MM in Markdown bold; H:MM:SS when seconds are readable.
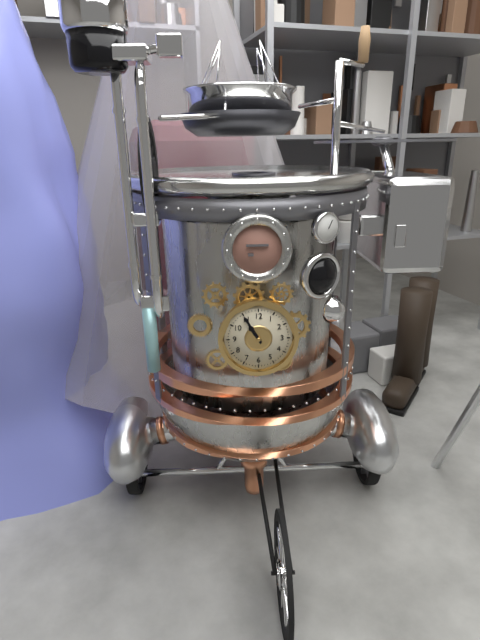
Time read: **10:55**
